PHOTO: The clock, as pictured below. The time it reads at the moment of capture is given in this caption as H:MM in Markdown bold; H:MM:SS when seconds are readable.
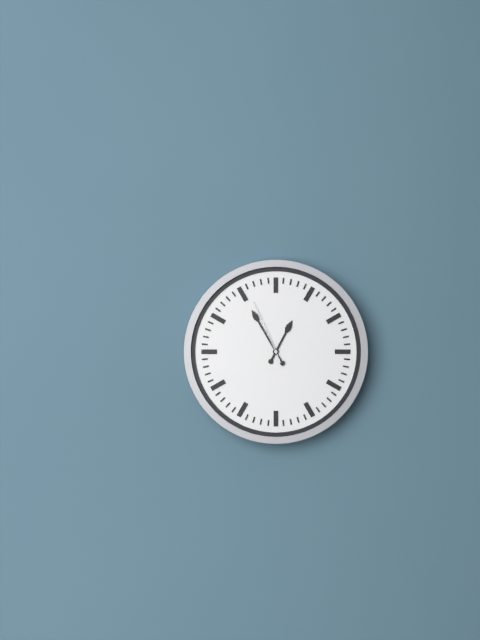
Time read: **12:55:56**
